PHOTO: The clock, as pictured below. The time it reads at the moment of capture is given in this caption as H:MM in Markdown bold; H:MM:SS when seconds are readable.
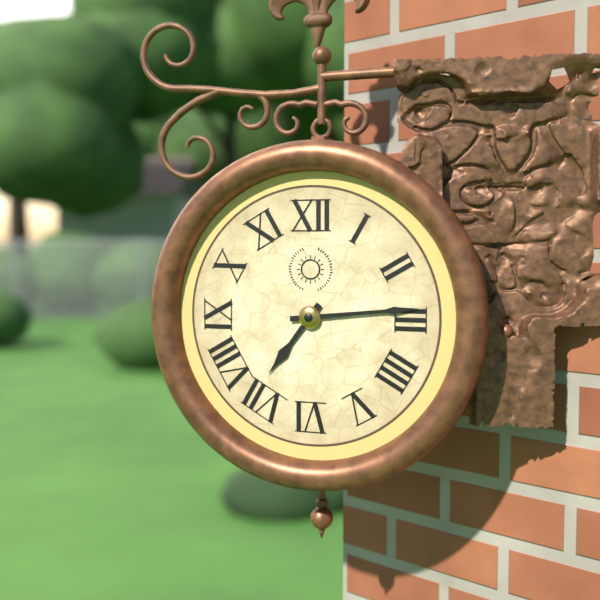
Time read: **7:14**
